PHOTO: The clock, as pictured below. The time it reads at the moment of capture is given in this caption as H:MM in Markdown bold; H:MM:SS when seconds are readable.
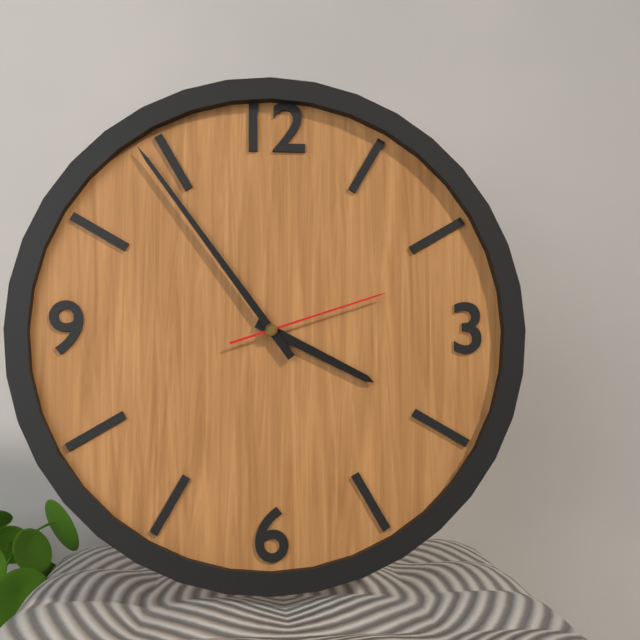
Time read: **3:54:12**
